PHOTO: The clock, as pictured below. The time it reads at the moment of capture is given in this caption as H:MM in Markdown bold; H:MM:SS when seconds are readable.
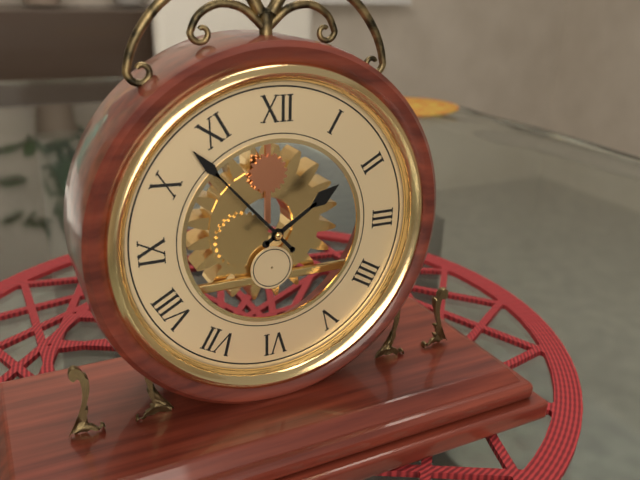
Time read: **1:53**
